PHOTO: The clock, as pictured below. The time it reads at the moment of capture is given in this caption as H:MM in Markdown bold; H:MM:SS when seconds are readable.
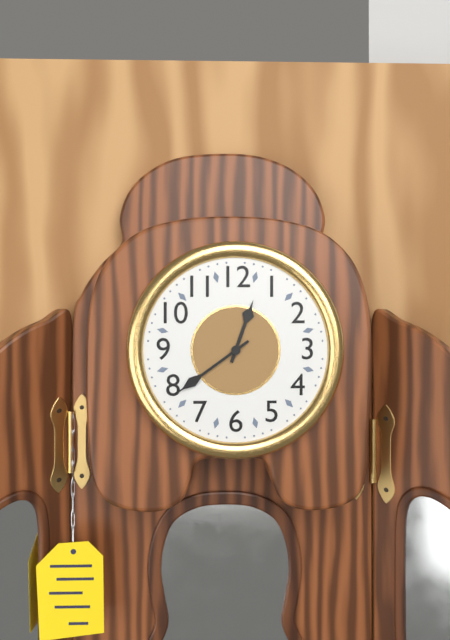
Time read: **12:39**
